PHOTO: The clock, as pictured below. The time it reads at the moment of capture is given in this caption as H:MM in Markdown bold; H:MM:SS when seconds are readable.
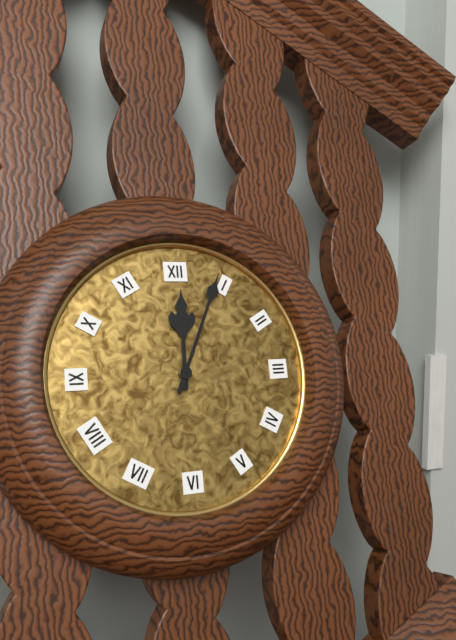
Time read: **12:04**
